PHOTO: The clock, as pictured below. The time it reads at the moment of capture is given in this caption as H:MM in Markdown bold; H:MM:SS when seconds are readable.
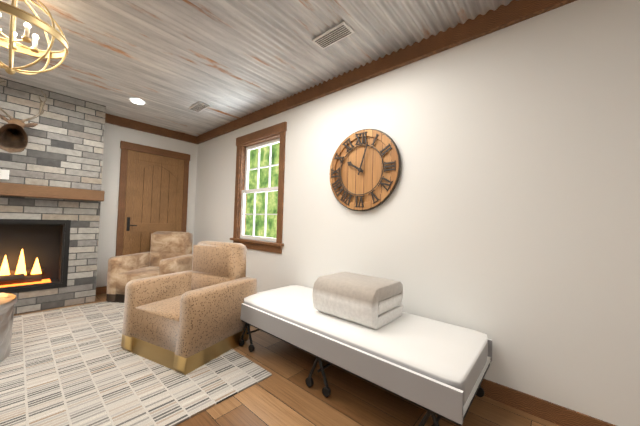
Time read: **10:03**
